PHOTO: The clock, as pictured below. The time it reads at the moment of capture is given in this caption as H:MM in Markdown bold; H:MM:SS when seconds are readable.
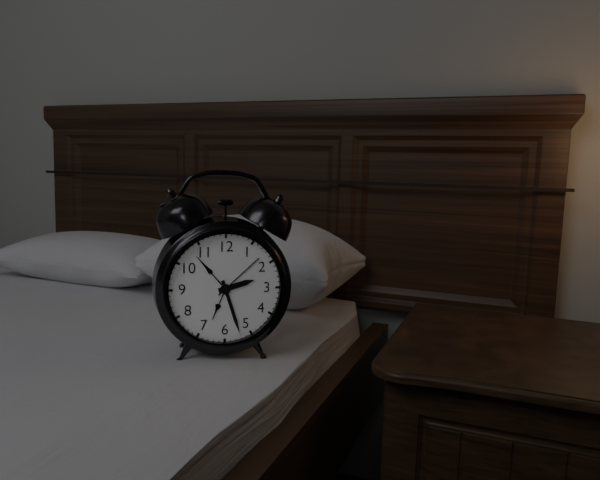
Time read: **2:27**
